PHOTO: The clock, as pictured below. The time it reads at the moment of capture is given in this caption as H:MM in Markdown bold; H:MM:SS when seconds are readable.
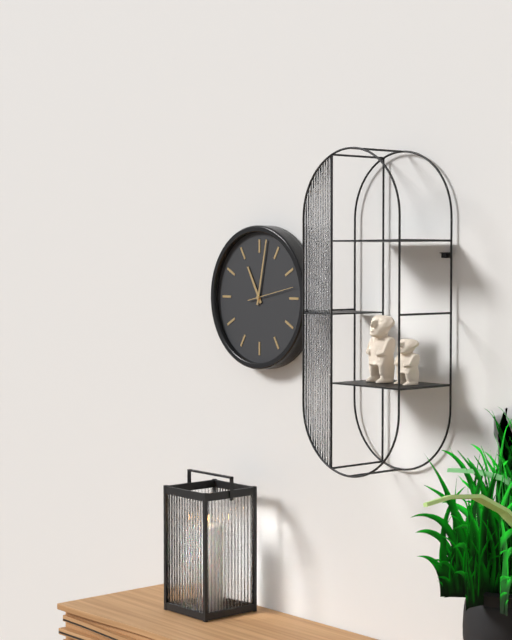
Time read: **11:02**
